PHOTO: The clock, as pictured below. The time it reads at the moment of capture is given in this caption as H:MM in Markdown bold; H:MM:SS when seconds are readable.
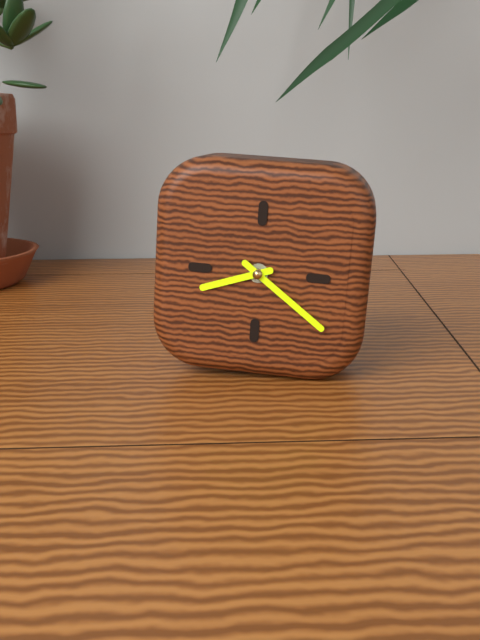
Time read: **8:21**
